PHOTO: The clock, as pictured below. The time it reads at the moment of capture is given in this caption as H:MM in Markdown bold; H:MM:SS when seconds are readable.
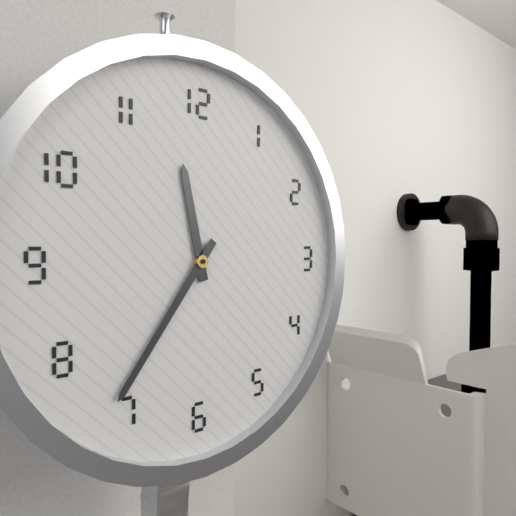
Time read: **11:36**
